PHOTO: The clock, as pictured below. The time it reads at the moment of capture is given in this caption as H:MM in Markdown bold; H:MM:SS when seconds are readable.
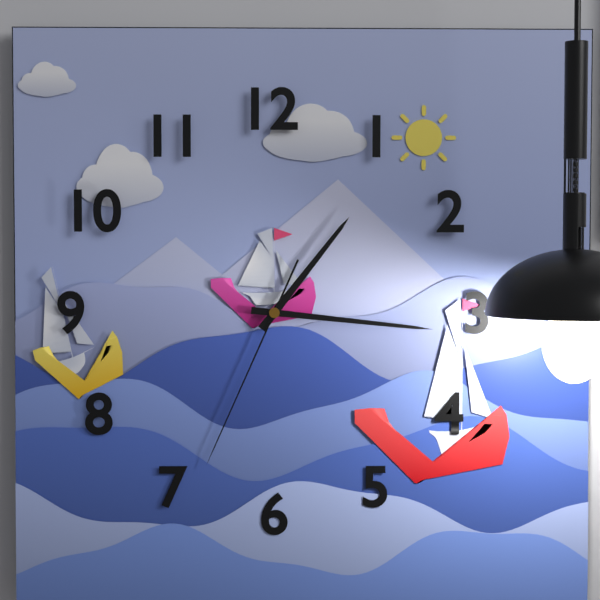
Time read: **1:16:34**
